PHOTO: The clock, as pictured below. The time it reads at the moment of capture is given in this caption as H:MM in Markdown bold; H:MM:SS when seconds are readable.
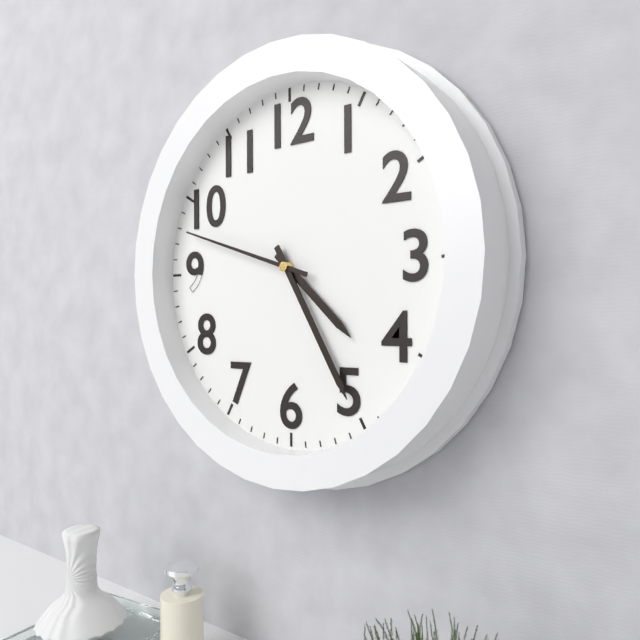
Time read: **4:25:48**
